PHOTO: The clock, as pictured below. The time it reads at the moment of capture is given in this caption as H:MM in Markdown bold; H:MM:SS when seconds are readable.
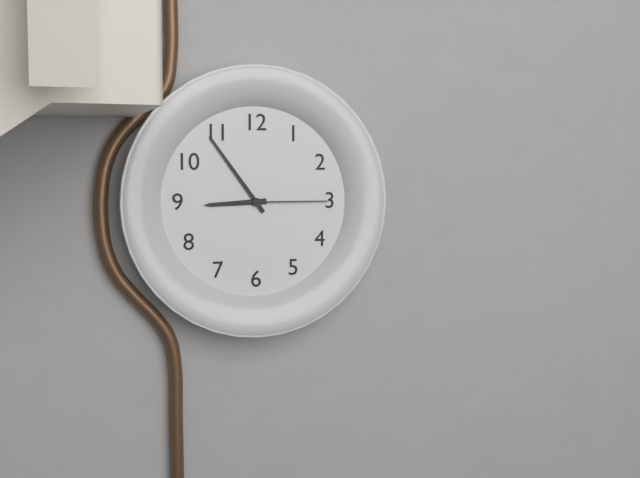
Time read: **8:54:15**
